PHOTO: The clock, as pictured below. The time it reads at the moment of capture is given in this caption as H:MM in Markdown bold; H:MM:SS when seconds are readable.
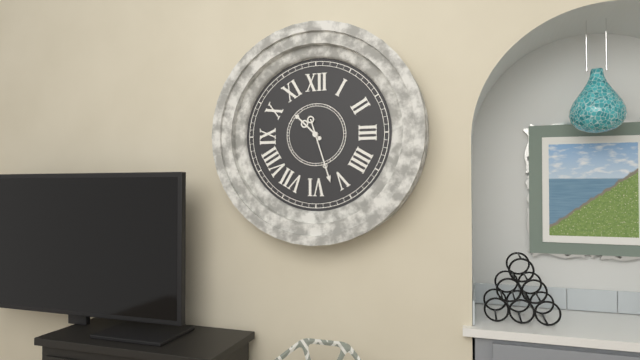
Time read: **10:27**
